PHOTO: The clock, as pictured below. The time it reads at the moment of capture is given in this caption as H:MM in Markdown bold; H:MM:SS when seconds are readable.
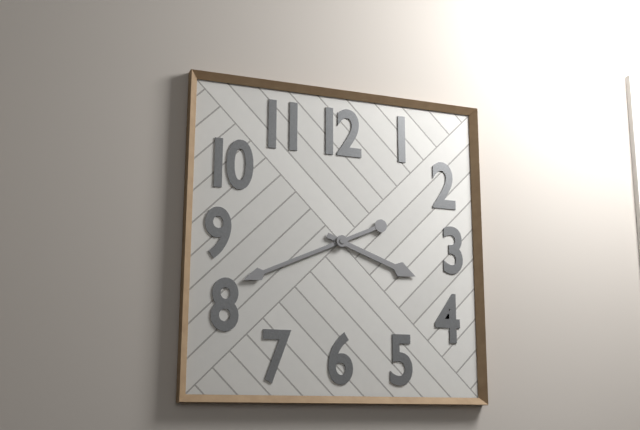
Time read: **3:41**
